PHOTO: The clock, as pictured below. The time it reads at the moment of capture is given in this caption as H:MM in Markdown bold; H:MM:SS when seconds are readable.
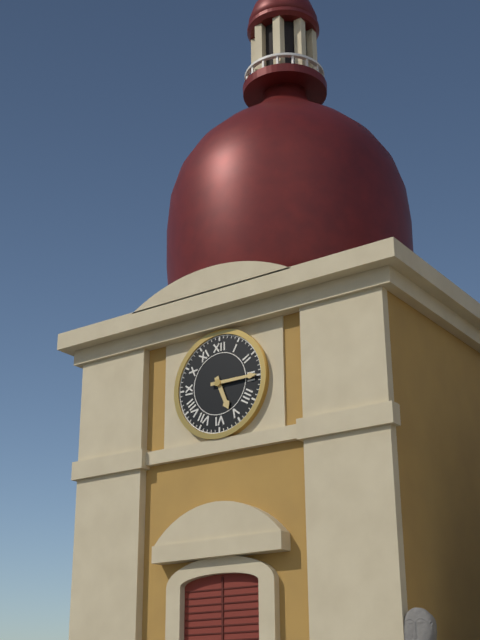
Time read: **5:15**
